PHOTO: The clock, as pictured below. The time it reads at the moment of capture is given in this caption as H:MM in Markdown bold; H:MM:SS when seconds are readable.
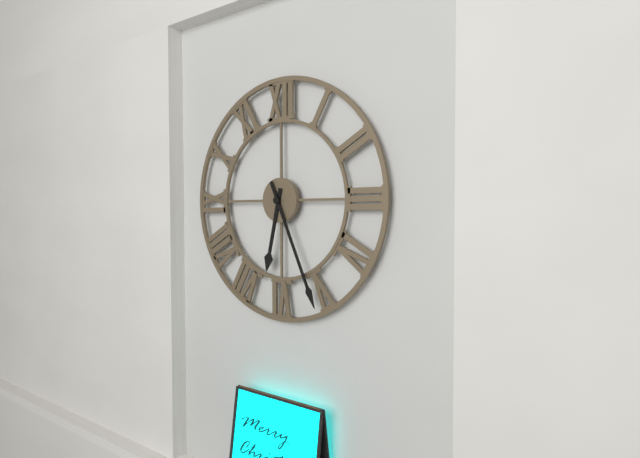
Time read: **6:26**
